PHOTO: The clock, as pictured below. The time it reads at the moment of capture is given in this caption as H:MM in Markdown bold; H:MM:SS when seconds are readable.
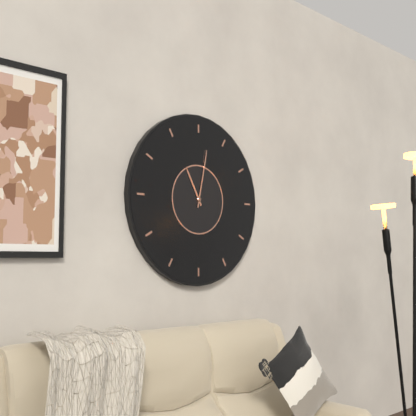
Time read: **11:02**
